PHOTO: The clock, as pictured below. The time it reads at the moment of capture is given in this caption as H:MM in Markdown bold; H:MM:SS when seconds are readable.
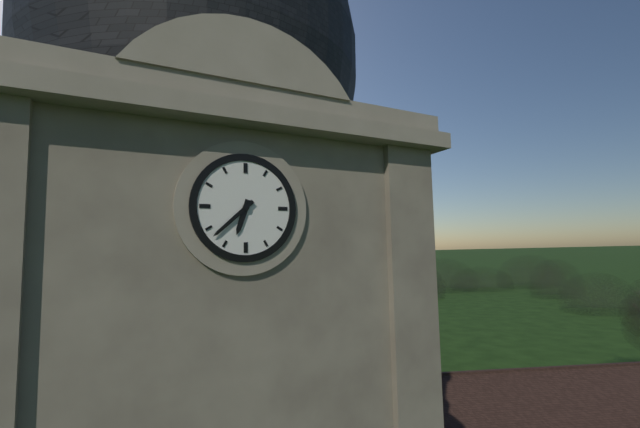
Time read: **6:38**
